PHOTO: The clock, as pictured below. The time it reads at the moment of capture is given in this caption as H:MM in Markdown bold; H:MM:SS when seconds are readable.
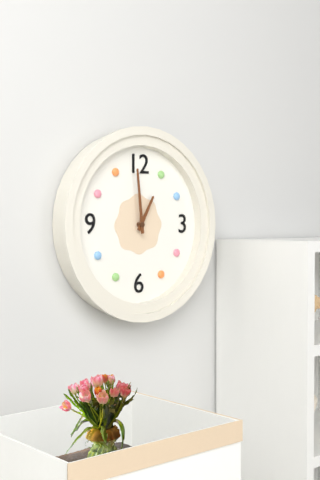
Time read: **12:59**
